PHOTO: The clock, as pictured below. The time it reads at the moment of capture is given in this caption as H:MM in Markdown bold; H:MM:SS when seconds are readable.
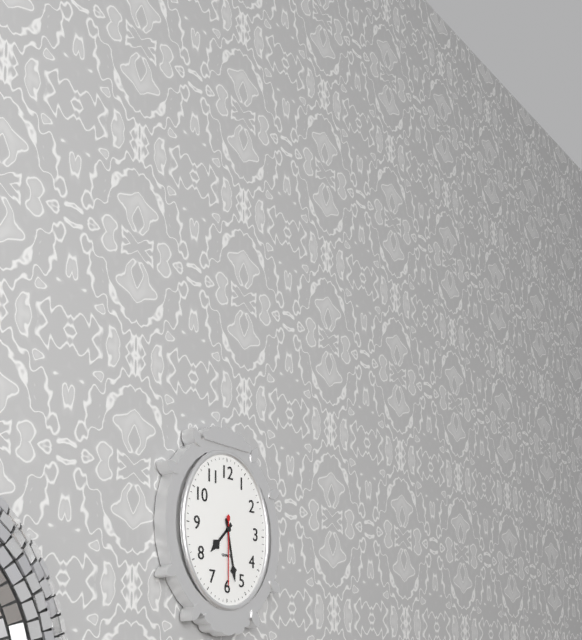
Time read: **7:28:30**
